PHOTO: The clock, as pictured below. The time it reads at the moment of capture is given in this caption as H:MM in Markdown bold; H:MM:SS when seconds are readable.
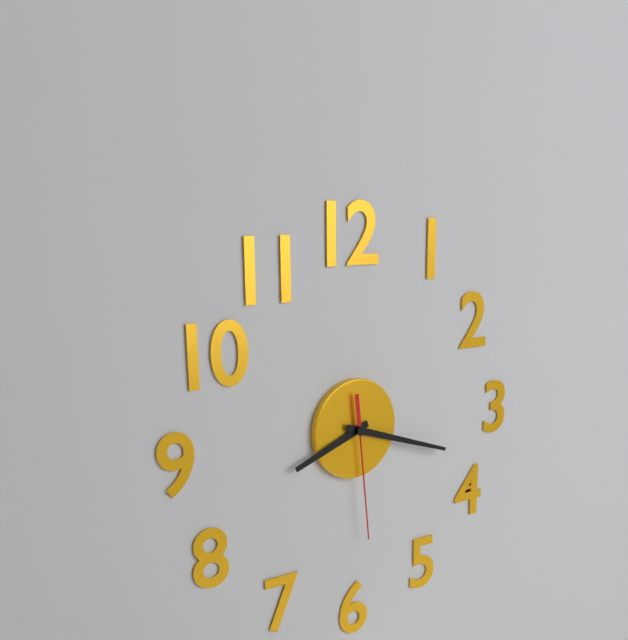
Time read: **8:18:29**
